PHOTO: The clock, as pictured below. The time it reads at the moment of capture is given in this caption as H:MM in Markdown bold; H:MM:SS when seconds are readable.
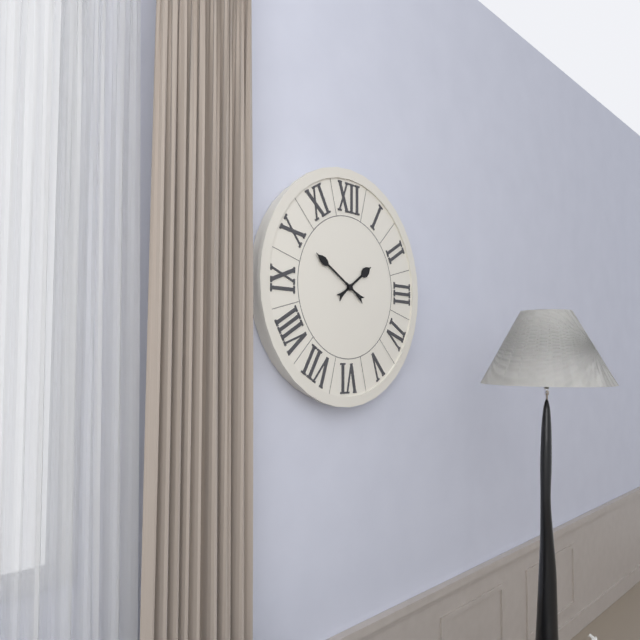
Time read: **1:50**
